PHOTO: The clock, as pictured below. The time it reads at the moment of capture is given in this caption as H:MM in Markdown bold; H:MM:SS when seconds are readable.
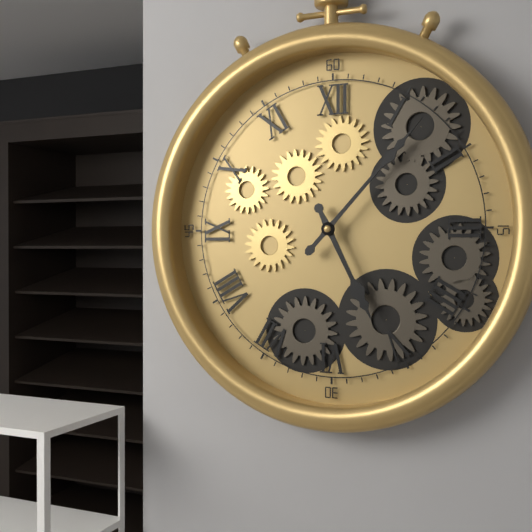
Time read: **5:07**
